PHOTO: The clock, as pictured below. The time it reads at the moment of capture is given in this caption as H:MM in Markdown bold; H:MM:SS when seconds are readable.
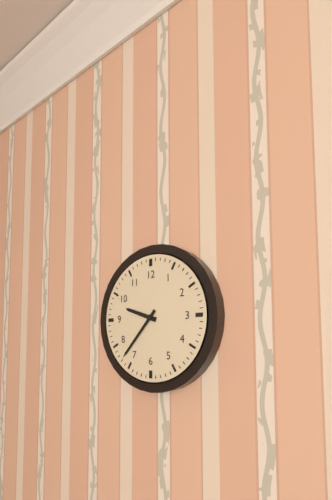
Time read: **9:37**
